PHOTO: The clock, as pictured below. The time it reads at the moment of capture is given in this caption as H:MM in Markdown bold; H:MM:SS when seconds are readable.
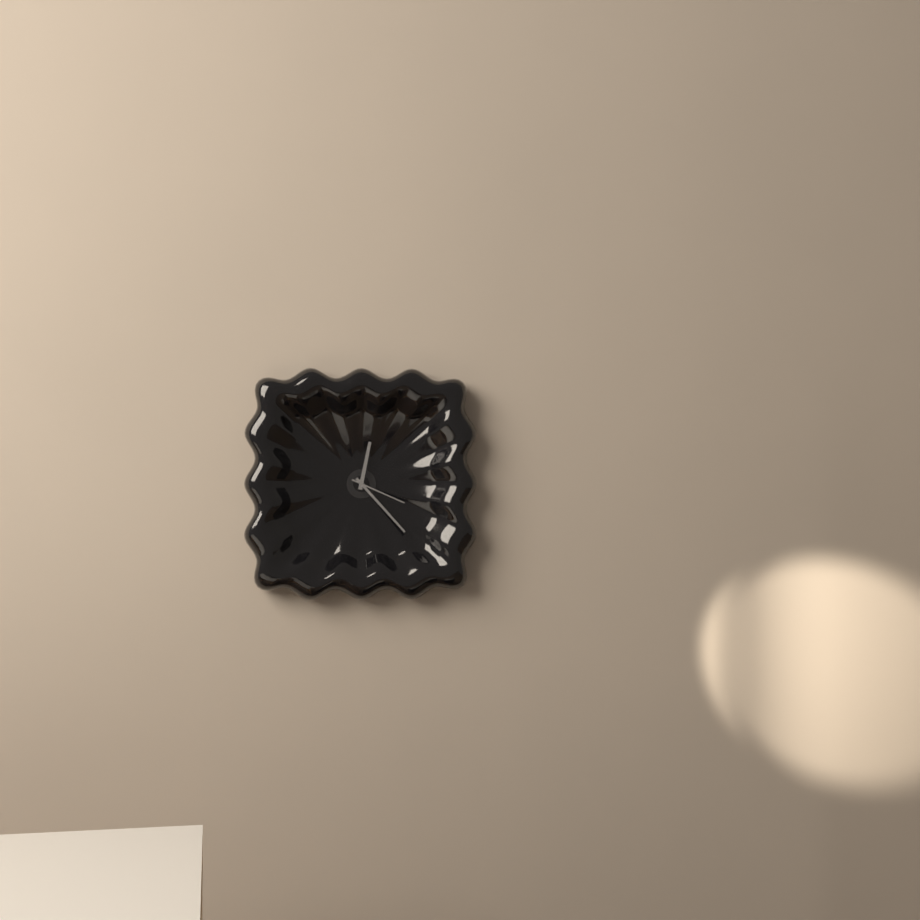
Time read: **12:23:19**
